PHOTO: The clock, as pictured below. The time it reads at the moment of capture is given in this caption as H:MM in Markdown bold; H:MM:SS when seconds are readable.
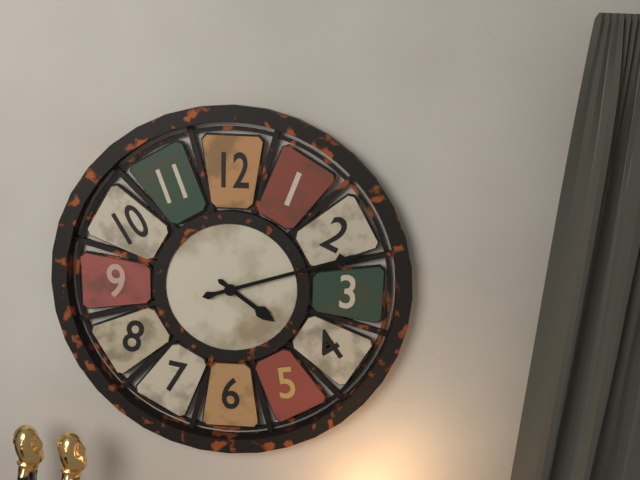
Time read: **4:12**
